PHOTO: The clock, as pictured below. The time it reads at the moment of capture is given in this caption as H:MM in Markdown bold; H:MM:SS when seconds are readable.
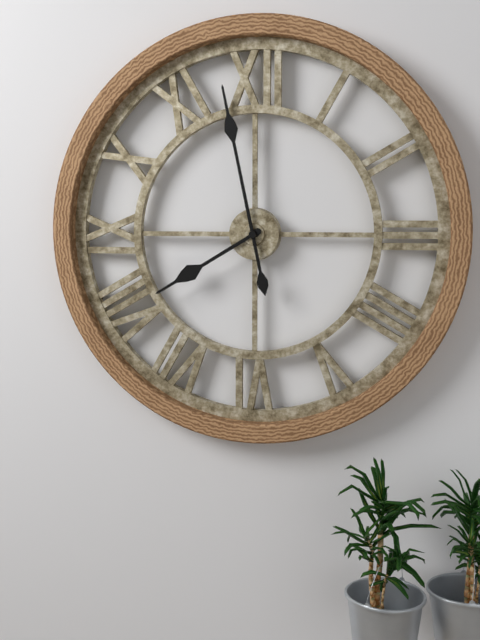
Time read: **7:58**
